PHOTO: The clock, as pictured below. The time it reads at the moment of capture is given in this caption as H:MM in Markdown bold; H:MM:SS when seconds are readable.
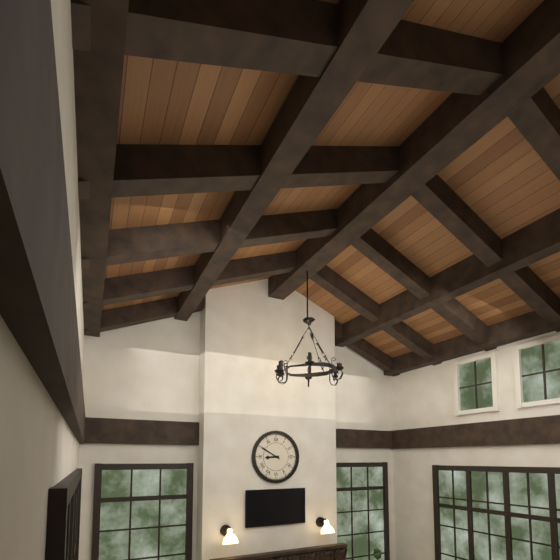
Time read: **8:50**
